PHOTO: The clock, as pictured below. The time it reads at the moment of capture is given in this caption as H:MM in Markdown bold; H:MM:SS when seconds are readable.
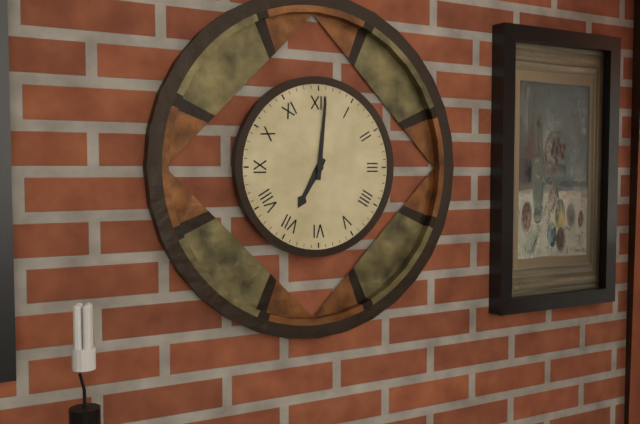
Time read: **7:01**
